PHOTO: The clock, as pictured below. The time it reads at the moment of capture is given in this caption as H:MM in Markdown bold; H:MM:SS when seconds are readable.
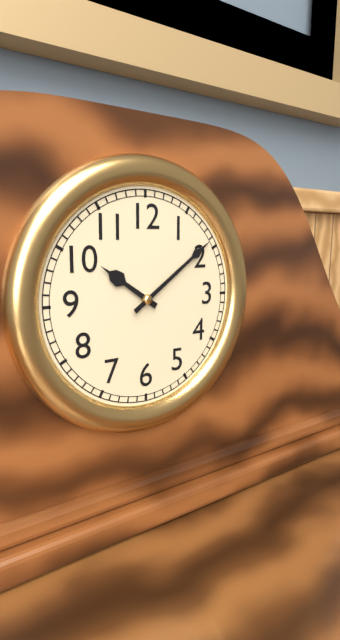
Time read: **10:09**
